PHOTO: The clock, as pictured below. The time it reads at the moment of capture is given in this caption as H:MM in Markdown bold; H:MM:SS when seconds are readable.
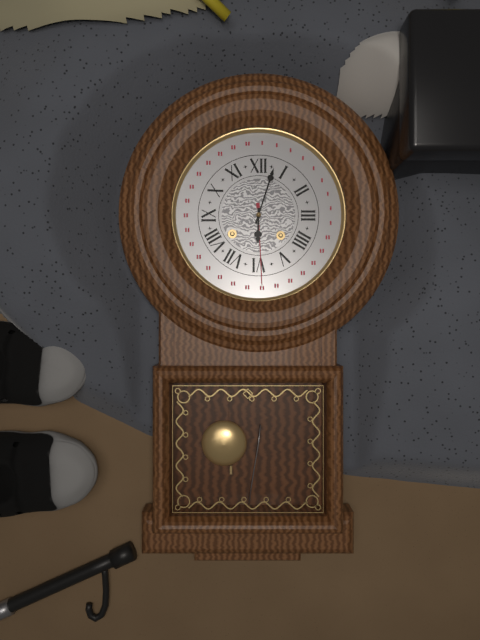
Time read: **6:03**
